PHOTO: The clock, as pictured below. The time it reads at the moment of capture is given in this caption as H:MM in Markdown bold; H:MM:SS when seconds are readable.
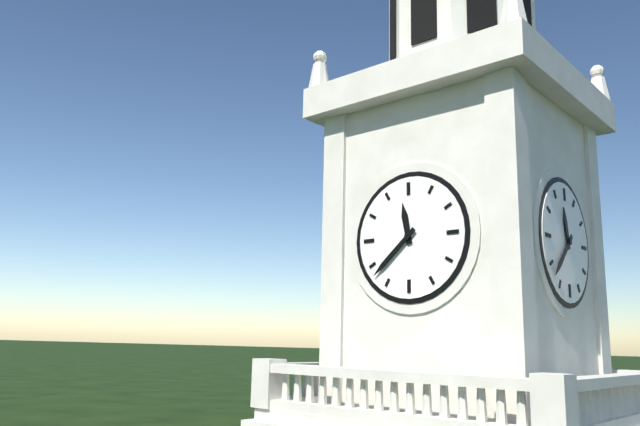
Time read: **11:38**
